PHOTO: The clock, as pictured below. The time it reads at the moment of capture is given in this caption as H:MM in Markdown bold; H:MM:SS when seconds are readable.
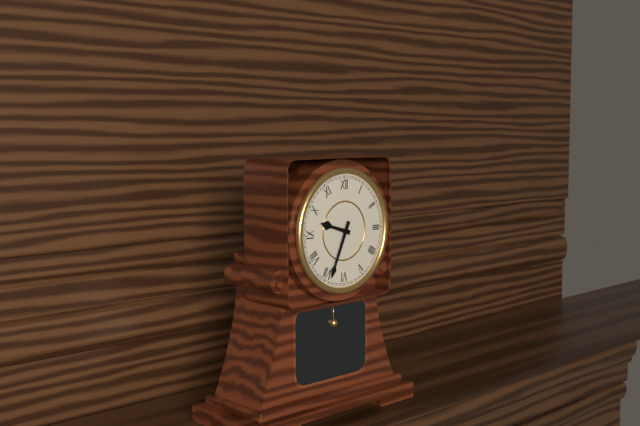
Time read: **9:34**
